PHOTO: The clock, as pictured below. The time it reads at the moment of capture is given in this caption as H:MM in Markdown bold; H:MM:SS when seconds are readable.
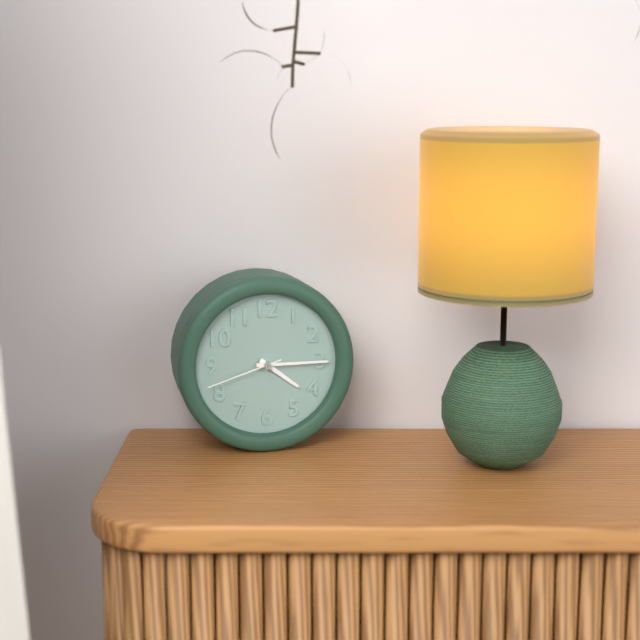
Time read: **4:15:42**
